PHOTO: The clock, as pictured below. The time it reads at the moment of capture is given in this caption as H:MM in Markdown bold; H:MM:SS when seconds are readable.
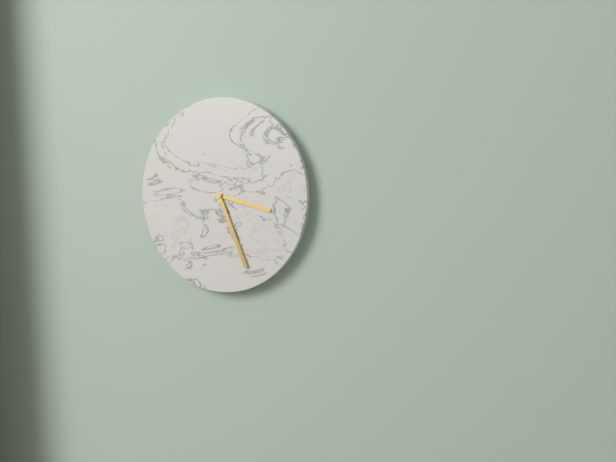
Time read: **3:26**
